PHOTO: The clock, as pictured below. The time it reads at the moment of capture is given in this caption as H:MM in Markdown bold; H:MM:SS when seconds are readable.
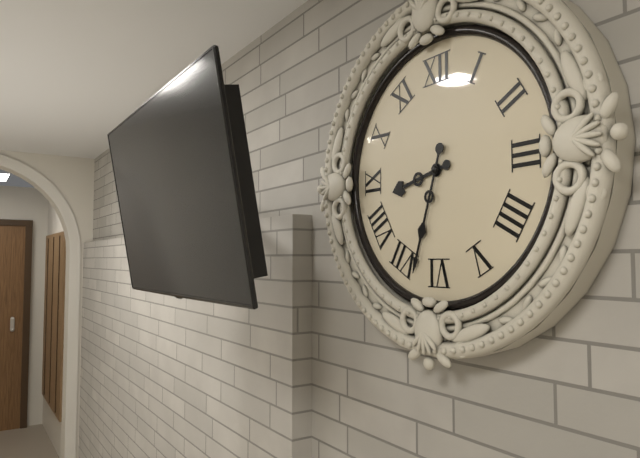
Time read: **8:33**
